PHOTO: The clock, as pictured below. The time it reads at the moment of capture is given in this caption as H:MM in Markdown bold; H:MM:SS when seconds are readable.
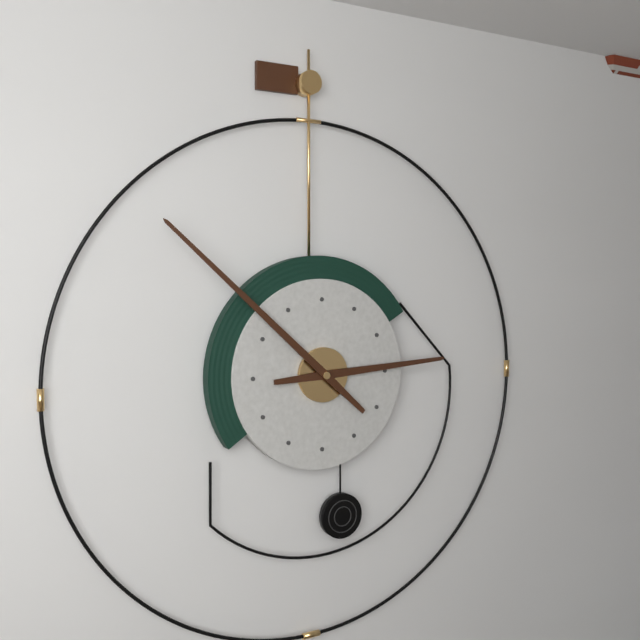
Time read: **2:52**
